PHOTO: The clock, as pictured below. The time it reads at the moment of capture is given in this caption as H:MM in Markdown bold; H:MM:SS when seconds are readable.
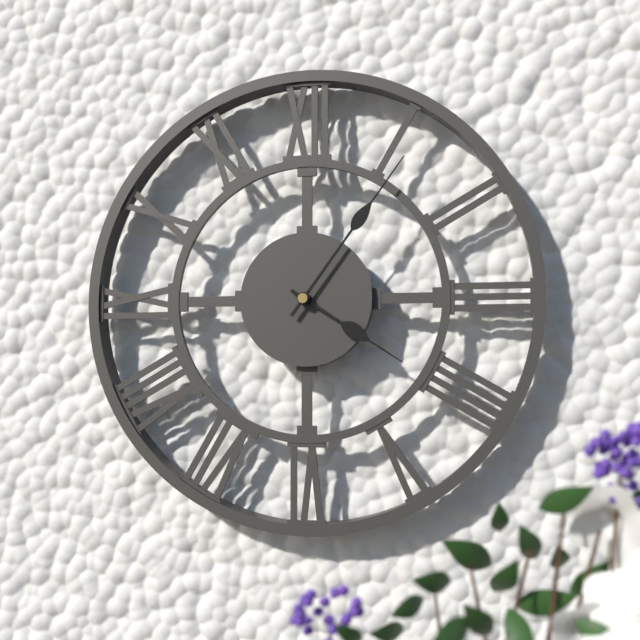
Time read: **4:06**
